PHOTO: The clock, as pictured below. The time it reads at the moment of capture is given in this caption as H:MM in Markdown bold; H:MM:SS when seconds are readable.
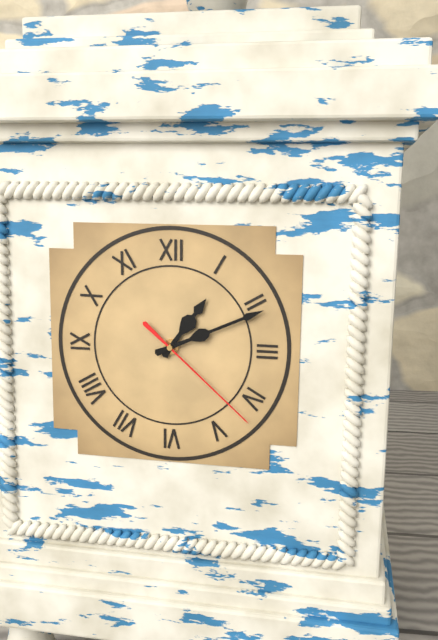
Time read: **1:11:22**
